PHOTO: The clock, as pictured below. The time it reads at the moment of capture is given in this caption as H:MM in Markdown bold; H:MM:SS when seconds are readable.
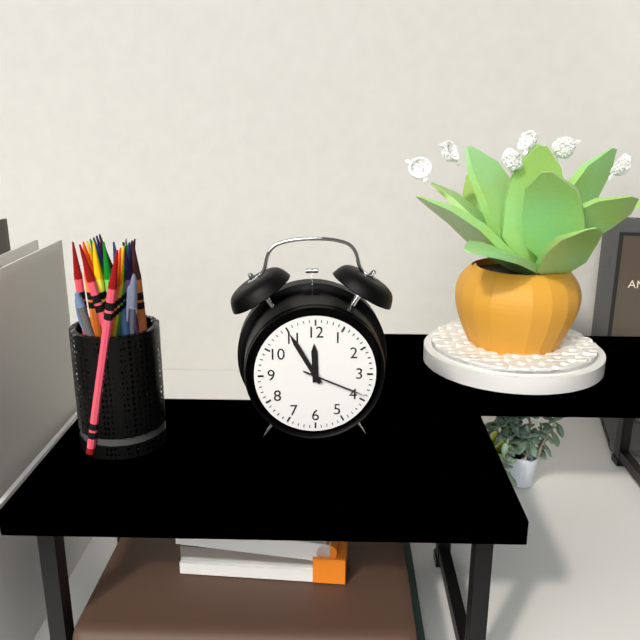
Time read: **11:55:19**
